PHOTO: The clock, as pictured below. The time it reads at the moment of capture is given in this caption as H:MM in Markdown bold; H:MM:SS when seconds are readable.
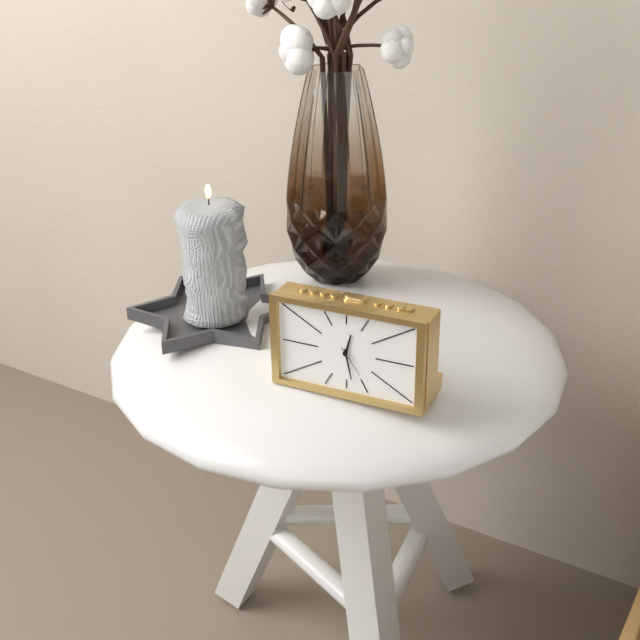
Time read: **12:28**
